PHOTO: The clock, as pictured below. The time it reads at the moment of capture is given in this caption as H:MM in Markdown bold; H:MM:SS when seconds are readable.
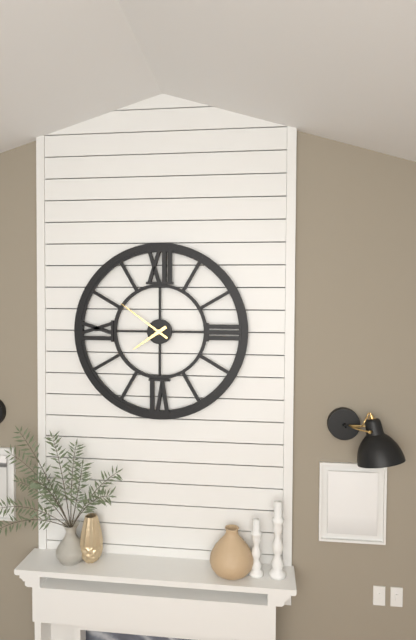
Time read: **7:51**
